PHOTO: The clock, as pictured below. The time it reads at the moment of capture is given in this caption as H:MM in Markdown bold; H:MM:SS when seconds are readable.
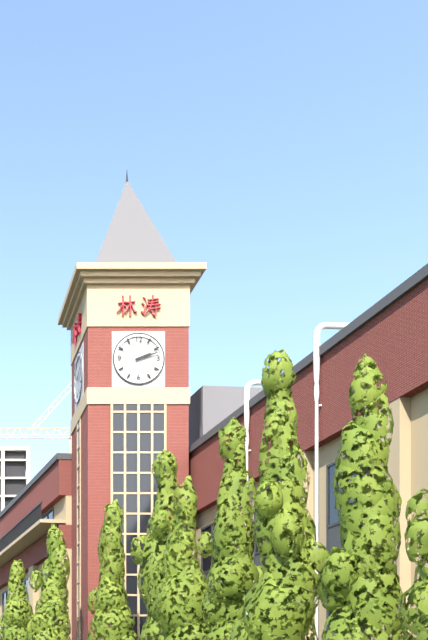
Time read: **2:12**
